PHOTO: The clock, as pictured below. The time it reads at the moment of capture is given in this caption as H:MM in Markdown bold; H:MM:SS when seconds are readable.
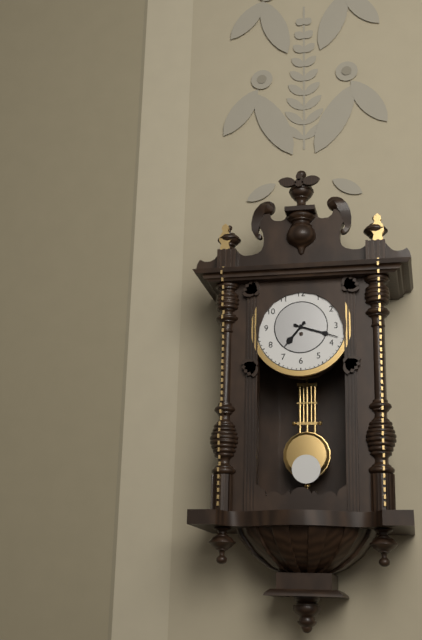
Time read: **7:18**
